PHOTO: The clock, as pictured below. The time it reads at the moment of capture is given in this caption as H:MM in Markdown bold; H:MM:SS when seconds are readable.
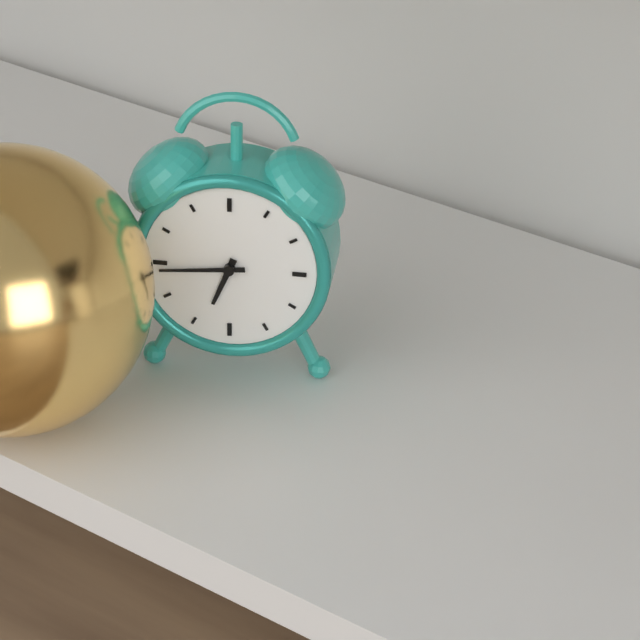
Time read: **6:44**
